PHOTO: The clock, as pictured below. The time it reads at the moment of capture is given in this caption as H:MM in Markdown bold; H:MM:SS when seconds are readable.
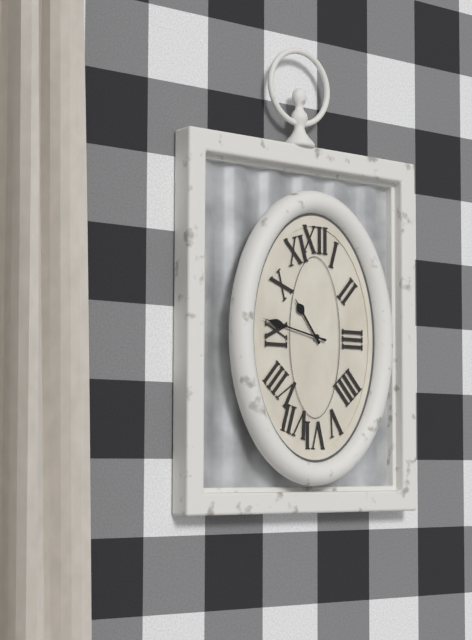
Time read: **10:47**
